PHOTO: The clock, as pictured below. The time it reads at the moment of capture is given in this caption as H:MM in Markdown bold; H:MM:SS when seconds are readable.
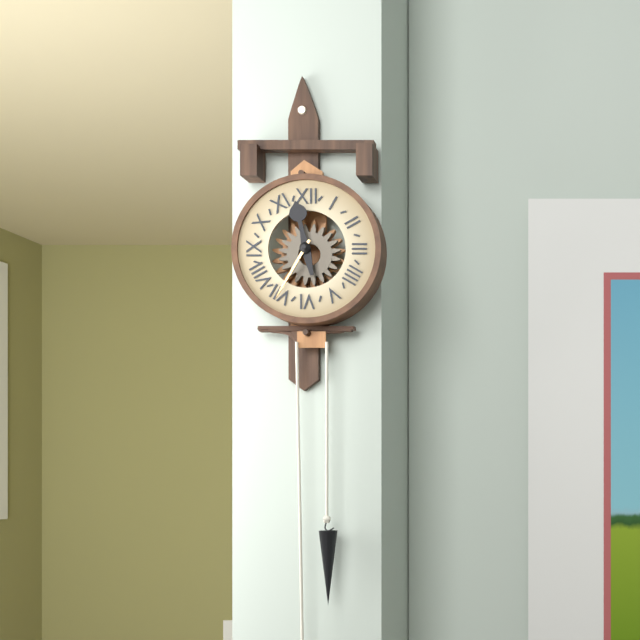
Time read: **11:35**
